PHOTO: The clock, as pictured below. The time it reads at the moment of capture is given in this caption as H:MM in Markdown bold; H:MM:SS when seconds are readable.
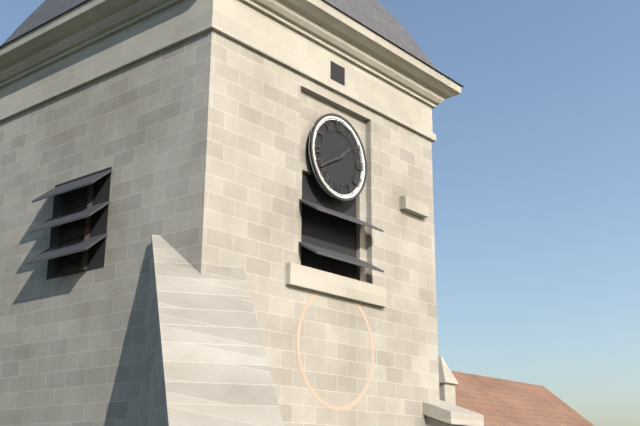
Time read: **1:40**
